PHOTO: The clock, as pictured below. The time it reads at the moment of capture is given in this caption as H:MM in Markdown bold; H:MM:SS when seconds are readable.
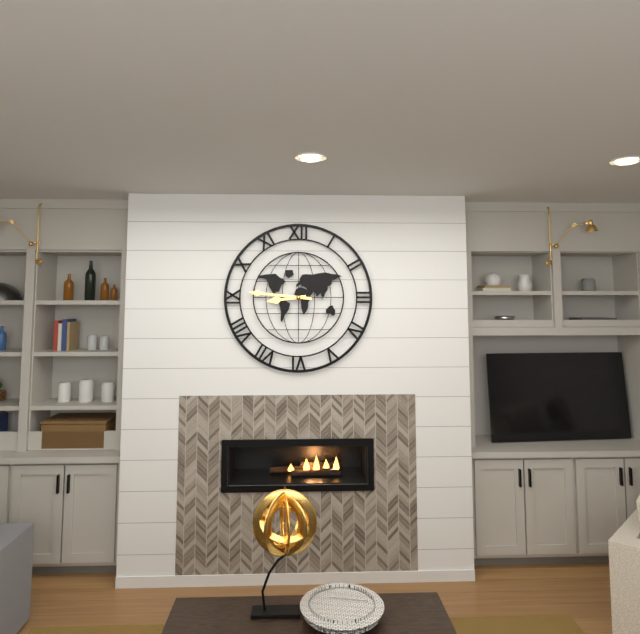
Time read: **8:46**
